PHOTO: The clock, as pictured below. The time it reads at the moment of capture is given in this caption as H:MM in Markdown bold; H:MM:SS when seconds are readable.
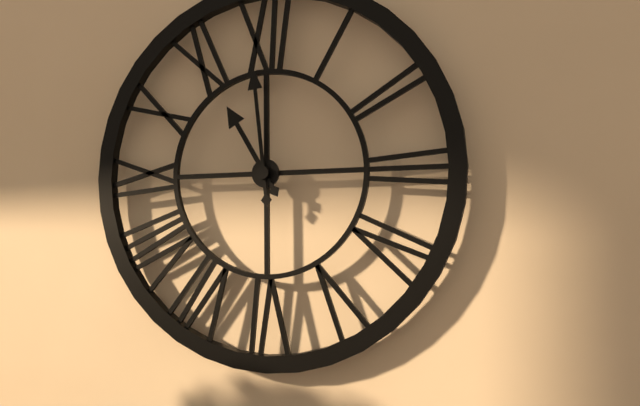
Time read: **10:59**
